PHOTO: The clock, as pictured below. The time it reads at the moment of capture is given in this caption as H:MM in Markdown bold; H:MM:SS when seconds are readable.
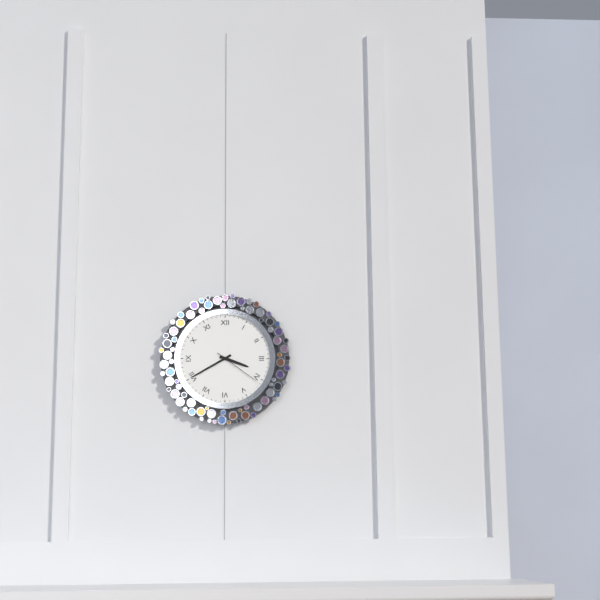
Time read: **3:40:21**
